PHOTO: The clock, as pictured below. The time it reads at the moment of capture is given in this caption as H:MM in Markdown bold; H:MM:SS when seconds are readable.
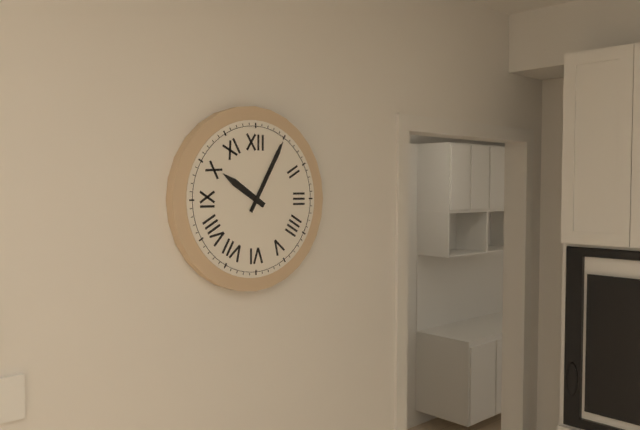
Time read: **10:05**
